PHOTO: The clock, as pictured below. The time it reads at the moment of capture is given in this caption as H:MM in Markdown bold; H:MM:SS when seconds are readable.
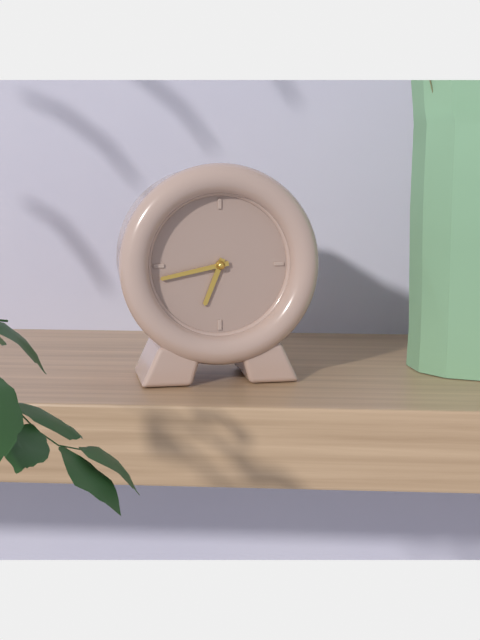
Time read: **6:43**
